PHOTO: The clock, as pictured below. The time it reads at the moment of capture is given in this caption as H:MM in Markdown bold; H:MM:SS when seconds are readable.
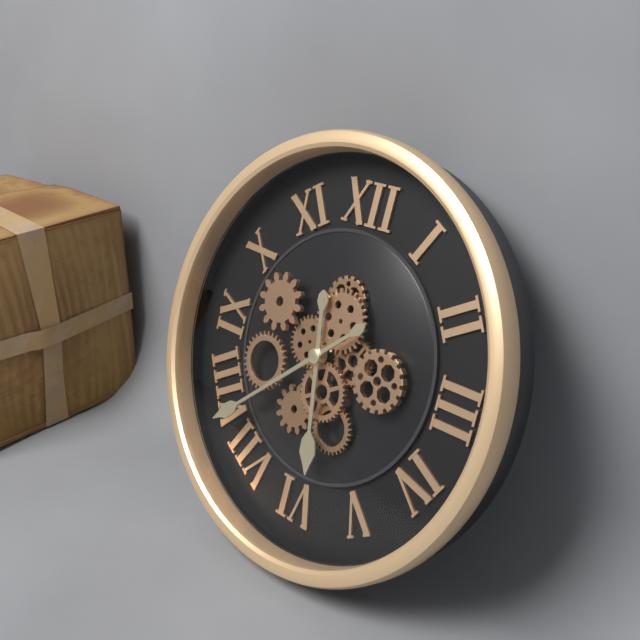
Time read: **5:38**
